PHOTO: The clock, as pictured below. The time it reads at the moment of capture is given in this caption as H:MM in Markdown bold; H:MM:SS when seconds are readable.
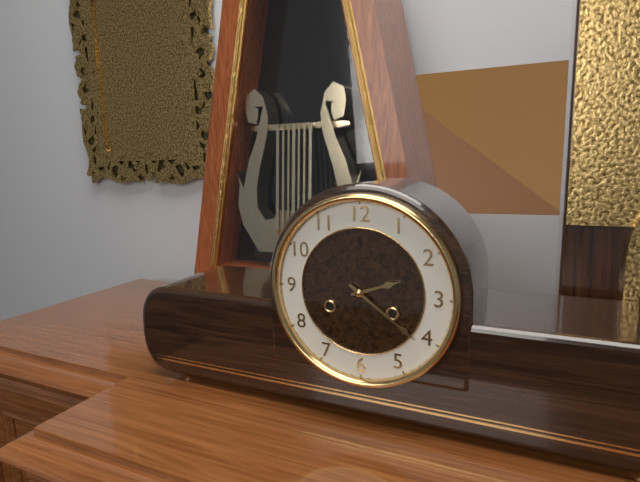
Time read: **2:21**
